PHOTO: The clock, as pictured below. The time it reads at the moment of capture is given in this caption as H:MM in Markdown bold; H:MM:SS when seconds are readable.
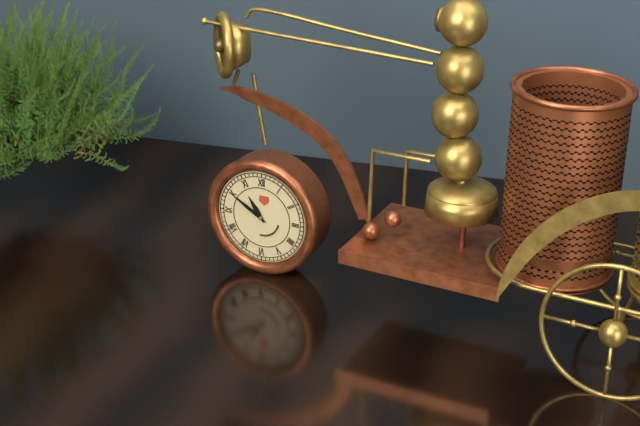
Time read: **10:50**
